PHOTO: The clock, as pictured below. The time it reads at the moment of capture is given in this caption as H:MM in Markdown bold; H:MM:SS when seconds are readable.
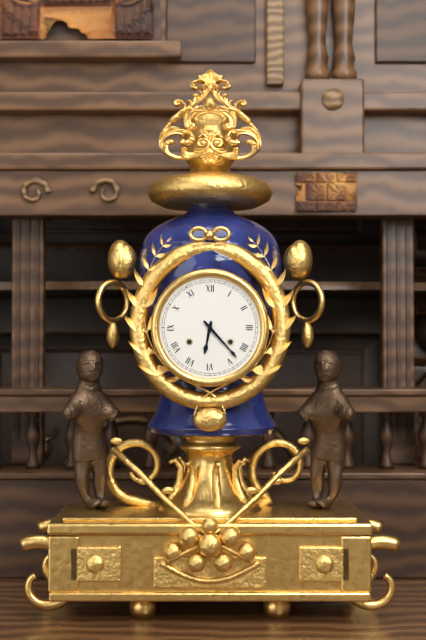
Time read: **6:23**
